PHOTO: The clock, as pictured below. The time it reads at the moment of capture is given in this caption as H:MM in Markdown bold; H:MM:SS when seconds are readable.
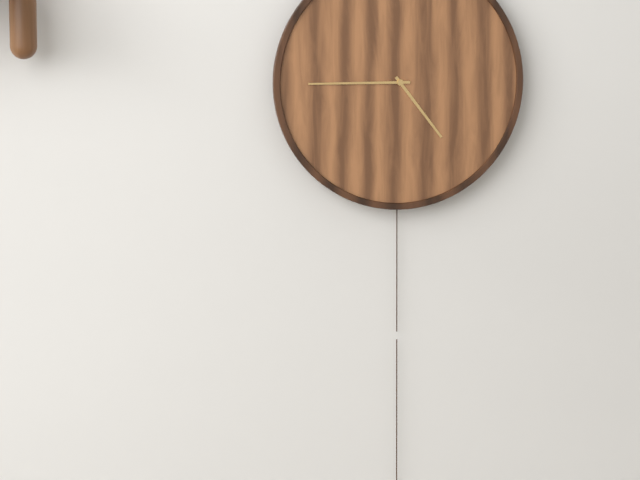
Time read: **4:45**
